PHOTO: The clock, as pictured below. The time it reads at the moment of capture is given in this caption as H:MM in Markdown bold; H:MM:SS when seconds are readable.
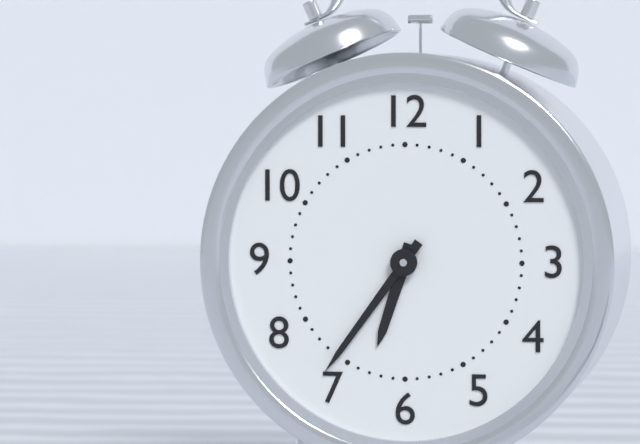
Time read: **6:36**
